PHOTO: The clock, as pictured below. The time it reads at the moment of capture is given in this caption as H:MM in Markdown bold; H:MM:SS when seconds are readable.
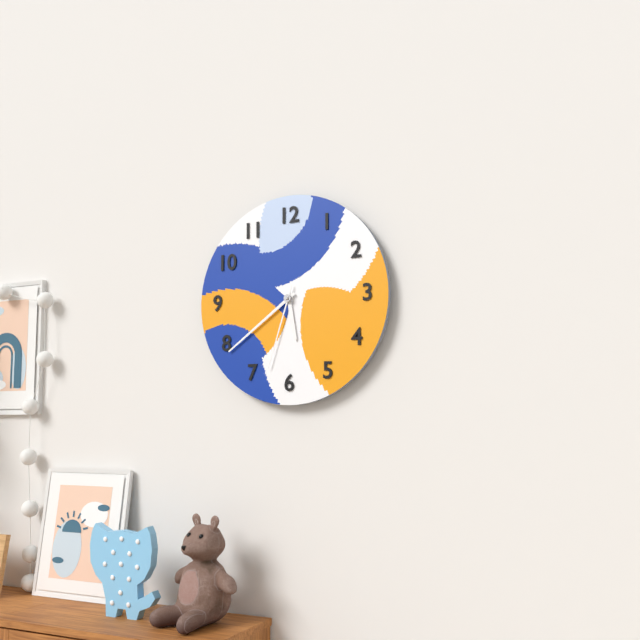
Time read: **5:39:33**
